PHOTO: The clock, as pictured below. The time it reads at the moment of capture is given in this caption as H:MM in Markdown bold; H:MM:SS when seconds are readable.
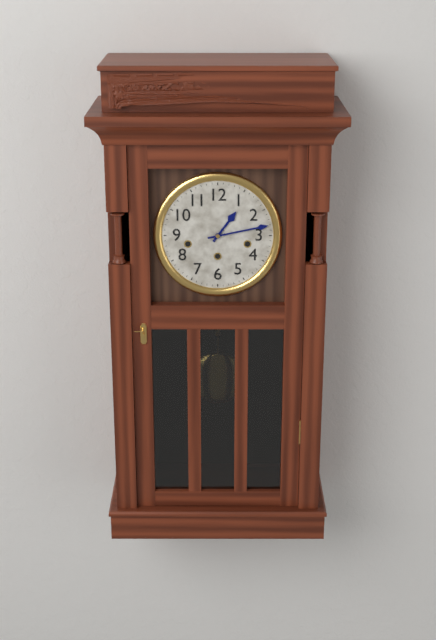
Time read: **1:13**
